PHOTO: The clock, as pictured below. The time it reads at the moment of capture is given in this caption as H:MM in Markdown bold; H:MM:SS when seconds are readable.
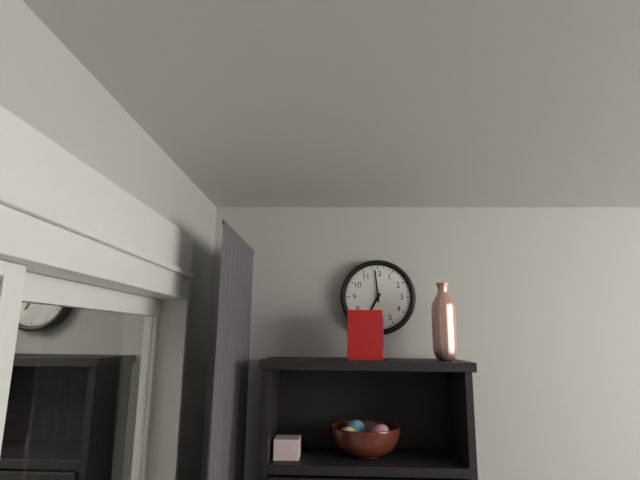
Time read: **6:59**
